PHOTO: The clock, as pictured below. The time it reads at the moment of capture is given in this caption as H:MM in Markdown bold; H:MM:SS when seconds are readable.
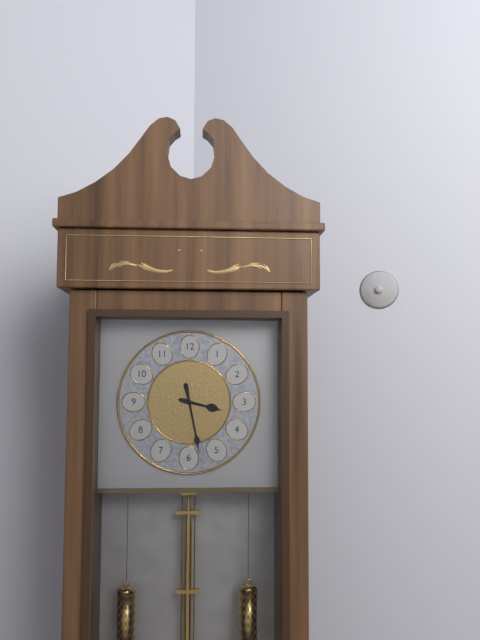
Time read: **3:28**
